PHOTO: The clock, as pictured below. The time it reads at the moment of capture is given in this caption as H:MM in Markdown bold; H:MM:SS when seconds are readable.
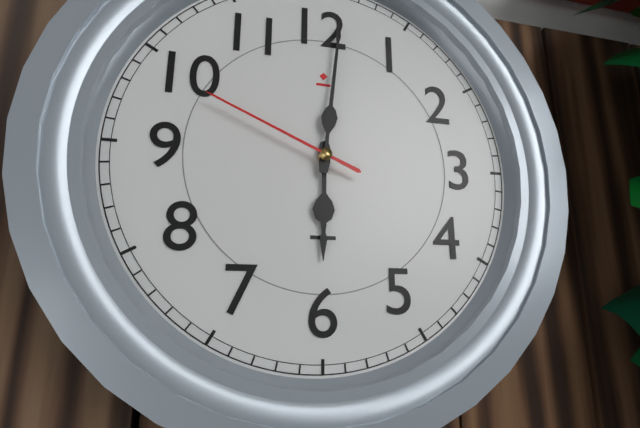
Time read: **6:01:49**
